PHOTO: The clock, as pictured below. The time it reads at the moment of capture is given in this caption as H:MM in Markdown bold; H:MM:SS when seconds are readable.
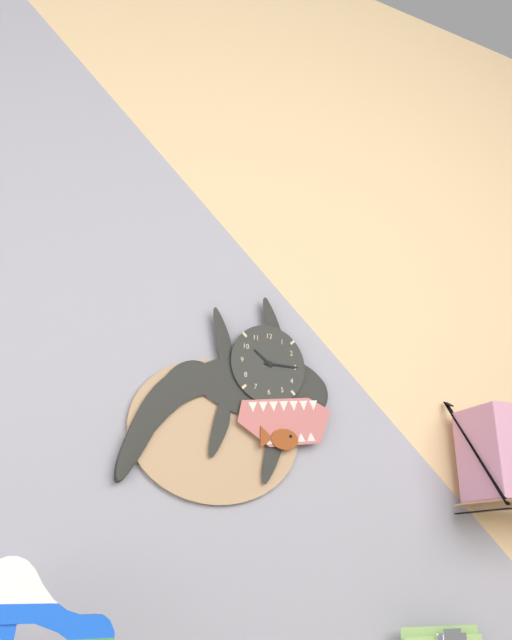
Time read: **10:15**
